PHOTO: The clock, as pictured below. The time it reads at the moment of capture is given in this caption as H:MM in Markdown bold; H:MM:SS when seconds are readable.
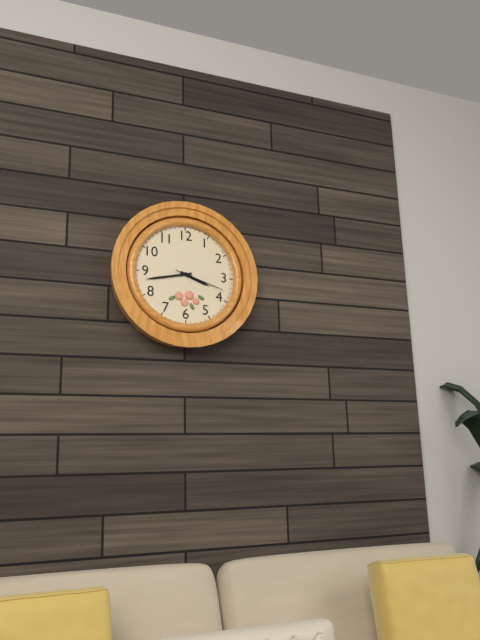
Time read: **3:43:18**
